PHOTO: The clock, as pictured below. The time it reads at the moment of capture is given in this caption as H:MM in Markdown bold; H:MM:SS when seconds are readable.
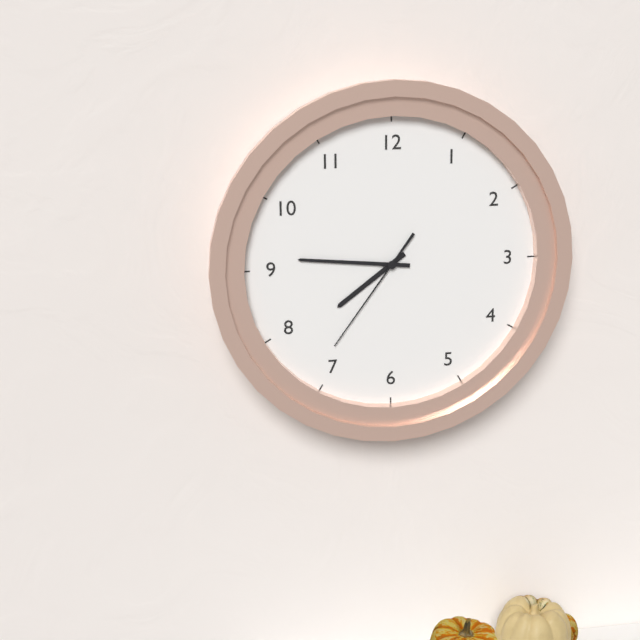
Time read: **7:46:36**
